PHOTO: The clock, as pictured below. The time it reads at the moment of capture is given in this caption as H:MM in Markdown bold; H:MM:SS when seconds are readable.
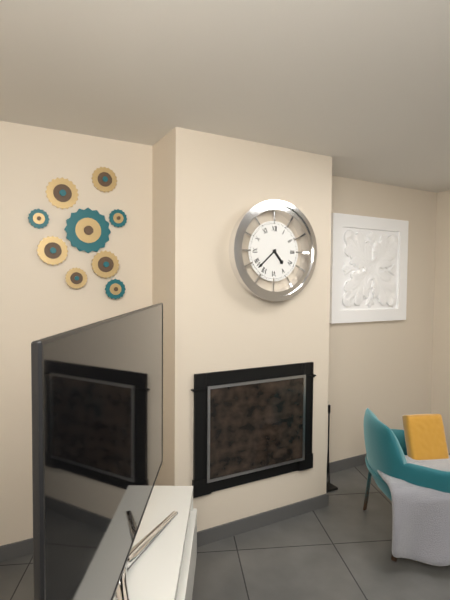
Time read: **4:38**
